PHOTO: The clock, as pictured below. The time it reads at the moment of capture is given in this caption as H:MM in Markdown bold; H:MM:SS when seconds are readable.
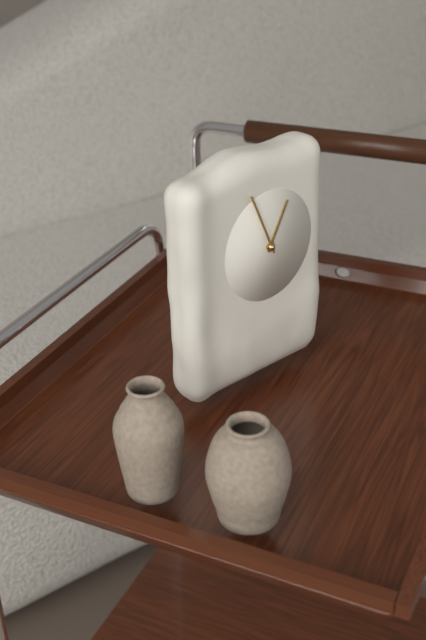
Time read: **12:56**
